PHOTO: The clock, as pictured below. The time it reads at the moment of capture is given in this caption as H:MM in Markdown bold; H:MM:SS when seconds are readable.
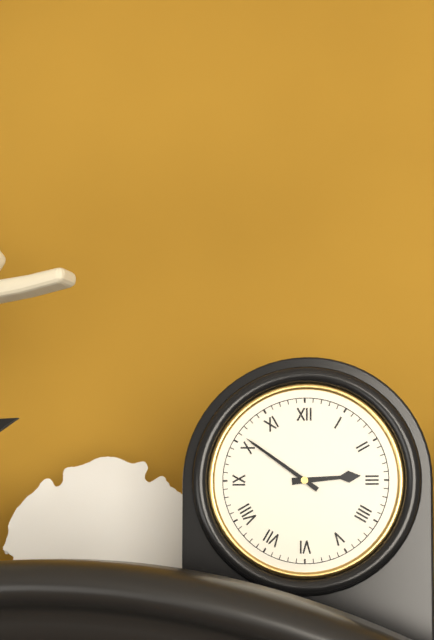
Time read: **2:51**
